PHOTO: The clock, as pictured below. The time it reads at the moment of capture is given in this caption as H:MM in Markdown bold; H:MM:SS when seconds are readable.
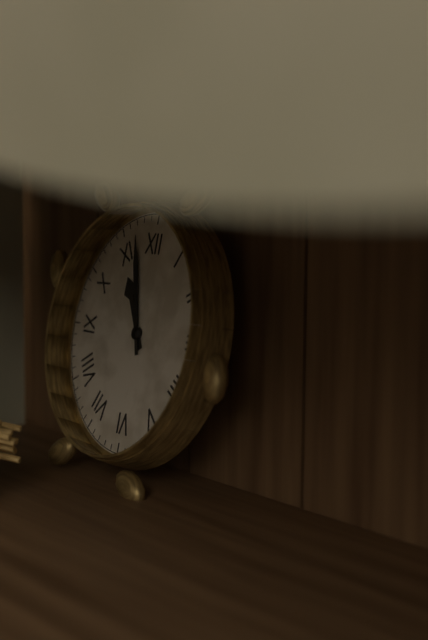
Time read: **10:57**
